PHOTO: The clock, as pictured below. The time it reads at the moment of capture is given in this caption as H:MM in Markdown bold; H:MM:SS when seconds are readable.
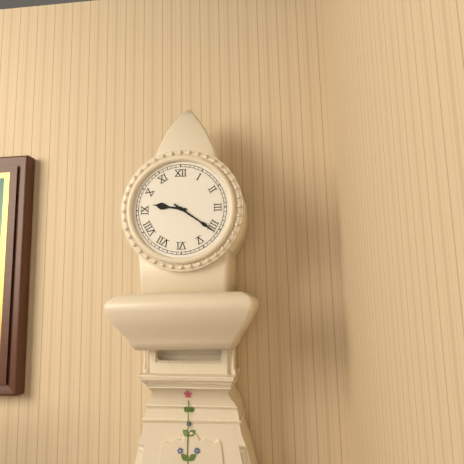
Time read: **9:21**
